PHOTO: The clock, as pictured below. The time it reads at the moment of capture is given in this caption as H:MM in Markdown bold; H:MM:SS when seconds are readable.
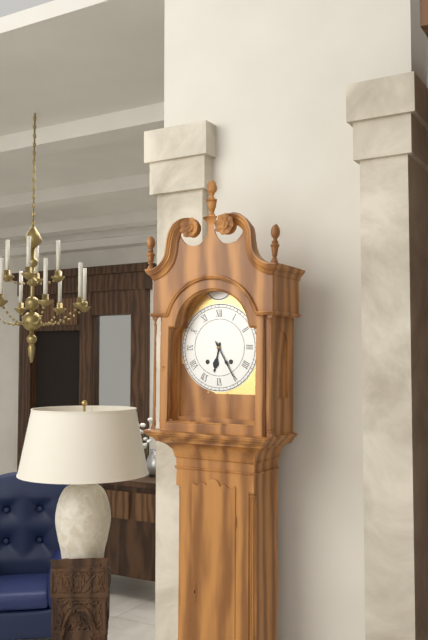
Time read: **6:25**
